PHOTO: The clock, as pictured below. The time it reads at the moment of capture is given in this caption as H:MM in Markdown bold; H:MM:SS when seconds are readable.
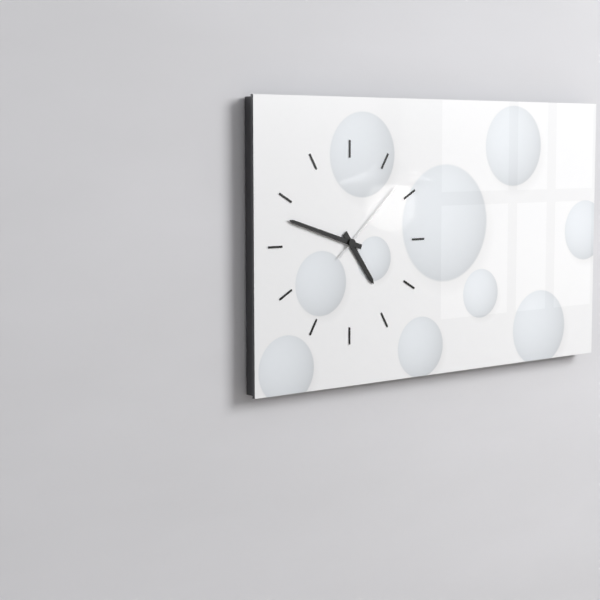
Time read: **4:48:08**
